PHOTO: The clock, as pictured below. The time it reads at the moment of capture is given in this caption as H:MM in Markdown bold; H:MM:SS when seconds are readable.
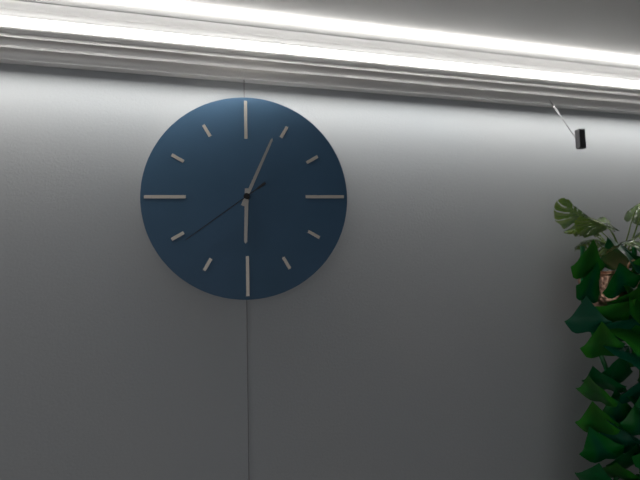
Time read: **6:04:39**
